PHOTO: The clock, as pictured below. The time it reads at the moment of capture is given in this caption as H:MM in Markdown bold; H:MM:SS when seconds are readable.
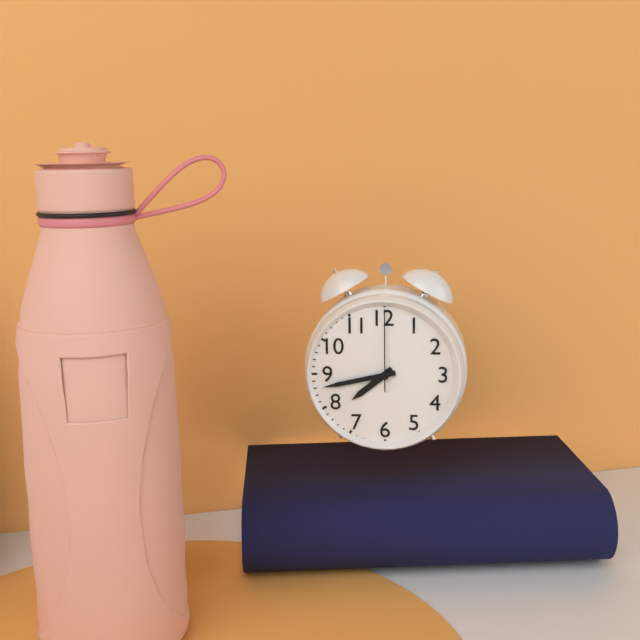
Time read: **7:43:00**
